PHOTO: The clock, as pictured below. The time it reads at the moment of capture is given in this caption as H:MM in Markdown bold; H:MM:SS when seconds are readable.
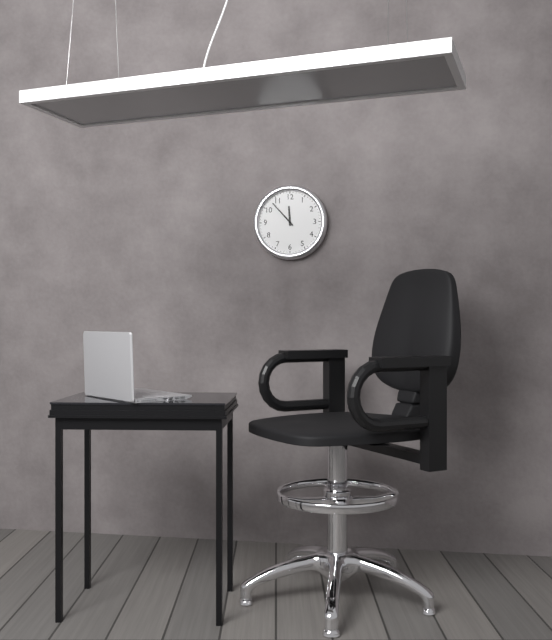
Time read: **11:53**
